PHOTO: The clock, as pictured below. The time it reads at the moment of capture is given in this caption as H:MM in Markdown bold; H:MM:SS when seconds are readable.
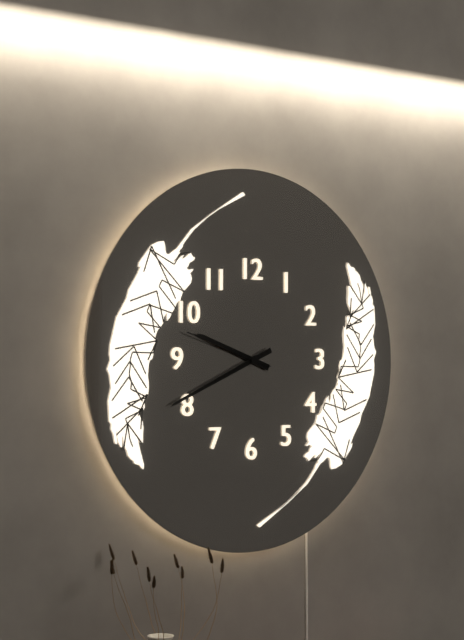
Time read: **9:41:48**
